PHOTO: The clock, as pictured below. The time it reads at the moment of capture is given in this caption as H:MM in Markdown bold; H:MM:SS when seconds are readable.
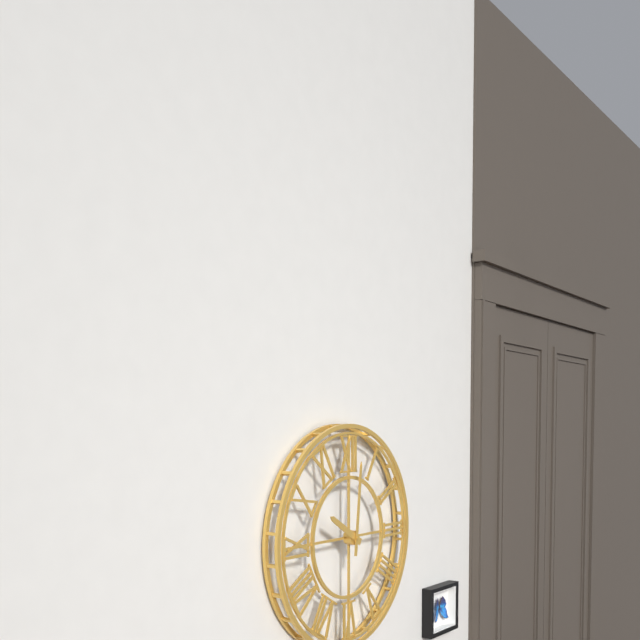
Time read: **10:01**
